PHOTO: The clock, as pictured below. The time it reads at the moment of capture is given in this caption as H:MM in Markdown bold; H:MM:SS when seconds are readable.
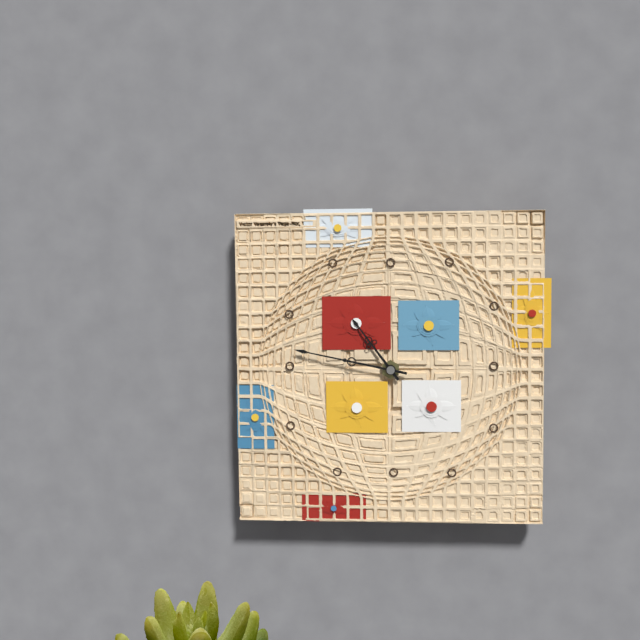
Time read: **10:47**
